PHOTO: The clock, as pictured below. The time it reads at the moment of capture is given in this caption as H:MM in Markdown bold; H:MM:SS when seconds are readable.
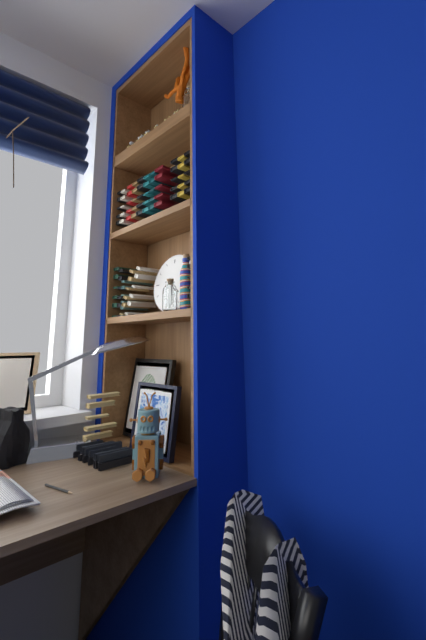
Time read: **4:28**
